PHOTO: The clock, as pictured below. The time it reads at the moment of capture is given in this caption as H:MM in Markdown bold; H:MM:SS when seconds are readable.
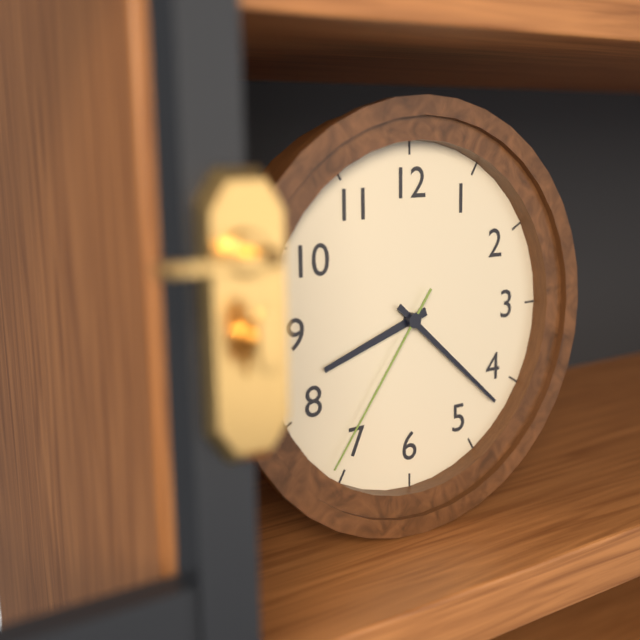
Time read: **8:22:36**
